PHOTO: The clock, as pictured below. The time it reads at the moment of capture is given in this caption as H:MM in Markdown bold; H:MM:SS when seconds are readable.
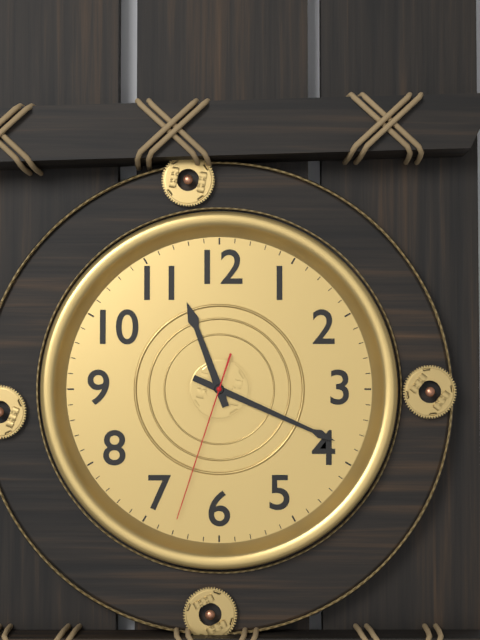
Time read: **11:19:33**
